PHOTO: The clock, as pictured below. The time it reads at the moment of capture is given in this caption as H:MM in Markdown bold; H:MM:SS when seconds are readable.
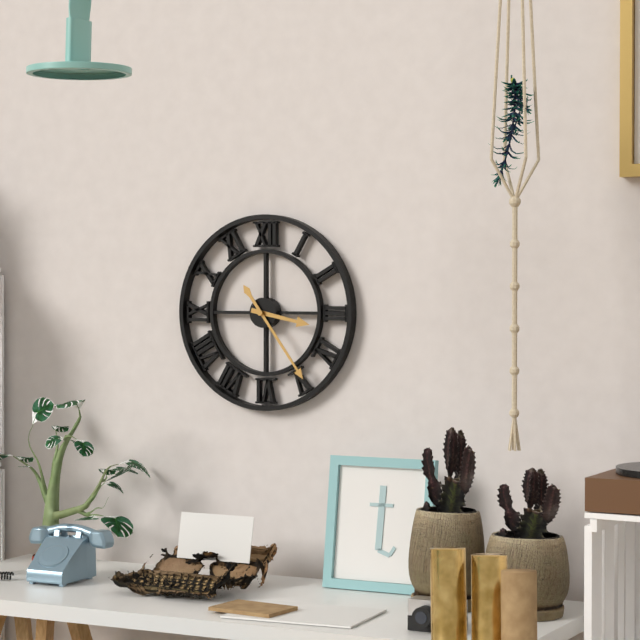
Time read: **3:24**
